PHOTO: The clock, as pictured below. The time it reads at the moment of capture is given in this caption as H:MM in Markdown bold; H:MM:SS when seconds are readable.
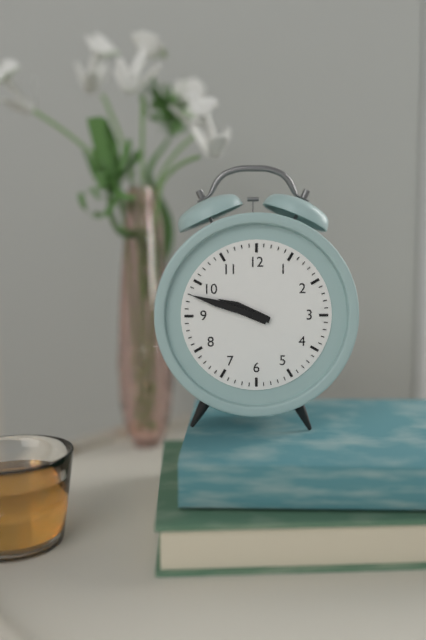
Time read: **9:48**
